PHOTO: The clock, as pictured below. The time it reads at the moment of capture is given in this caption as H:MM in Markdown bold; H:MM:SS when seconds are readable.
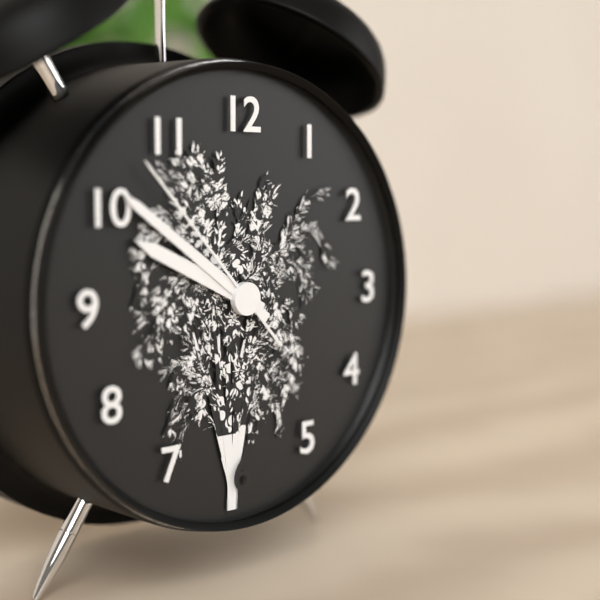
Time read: **9:51:53**
